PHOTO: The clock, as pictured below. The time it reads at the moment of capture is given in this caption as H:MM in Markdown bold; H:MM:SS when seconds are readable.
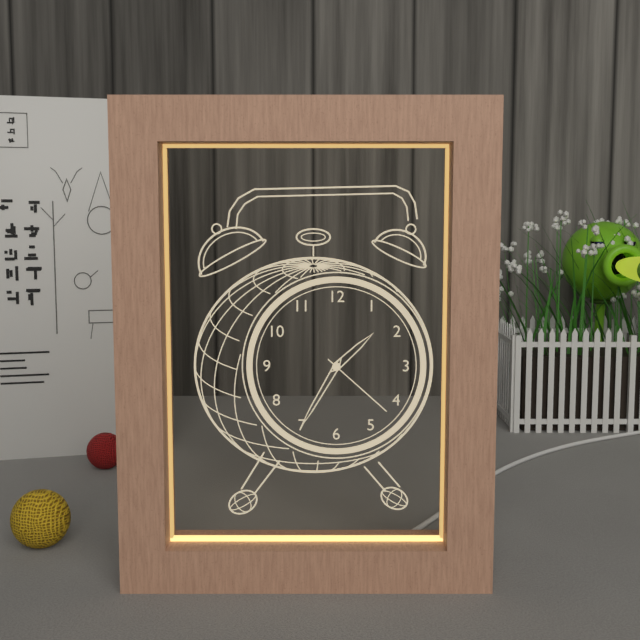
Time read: **1:35:22**
